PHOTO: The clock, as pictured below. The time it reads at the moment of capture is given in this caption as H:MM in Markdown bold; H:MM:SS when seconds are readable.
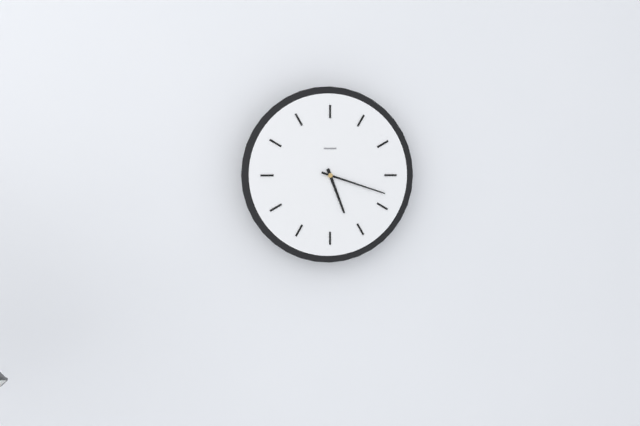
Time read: **5:18**
